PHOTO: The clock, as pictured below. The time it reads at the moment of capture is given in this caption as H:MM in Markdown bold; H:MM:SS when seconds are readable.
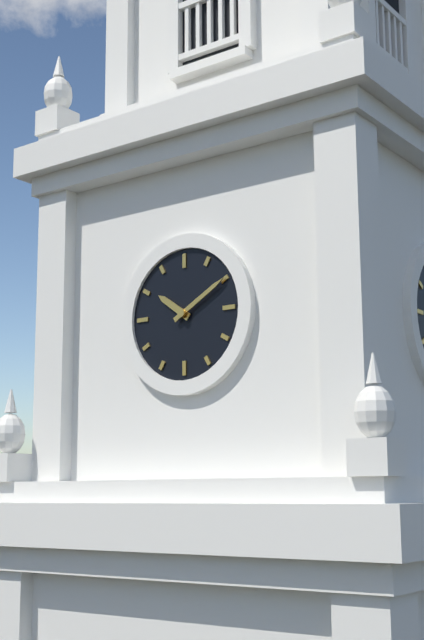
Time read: **10:10**
